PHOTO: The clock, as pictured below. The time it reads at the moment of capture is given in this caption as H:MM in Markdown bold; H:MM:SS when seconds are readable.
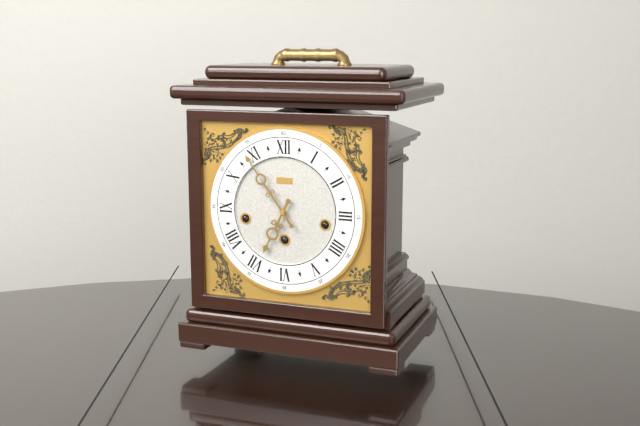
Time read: **6:54**
